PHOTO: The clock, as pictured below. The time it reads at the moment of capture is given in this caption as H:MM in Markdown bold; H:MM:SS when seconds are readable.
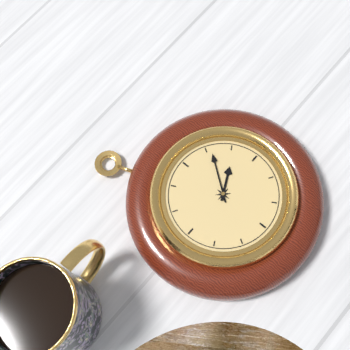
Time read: **2:06**
